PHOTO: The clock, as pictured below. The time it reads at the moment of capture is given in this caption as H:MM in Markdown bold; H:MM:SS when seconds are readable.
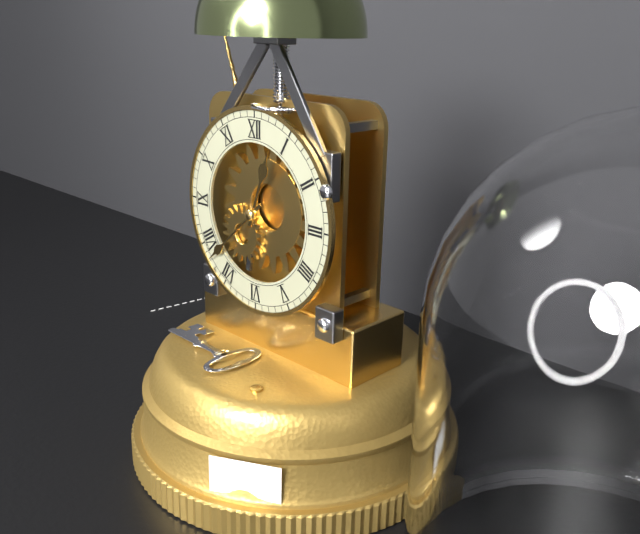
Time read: **12:38**
